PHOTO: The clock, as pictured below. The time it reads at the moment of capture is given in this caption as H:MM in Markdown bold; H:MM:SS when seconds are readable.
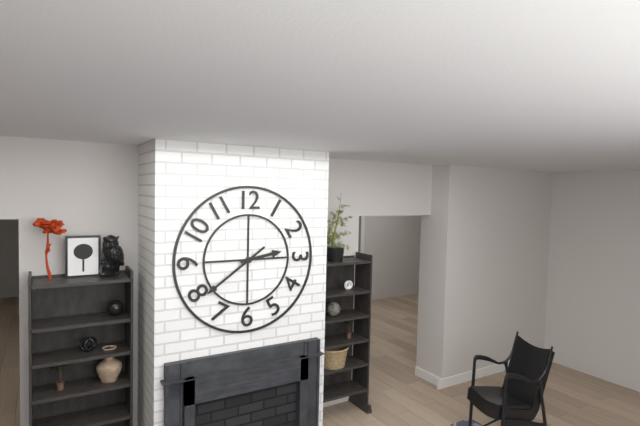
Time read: **2:39**
